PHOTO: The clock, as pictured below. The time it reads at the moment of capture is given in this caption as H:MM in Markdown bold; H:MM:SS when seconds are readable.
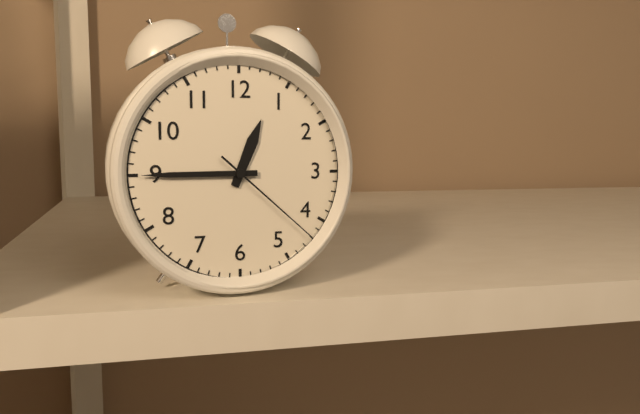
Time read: **12:45:22**
